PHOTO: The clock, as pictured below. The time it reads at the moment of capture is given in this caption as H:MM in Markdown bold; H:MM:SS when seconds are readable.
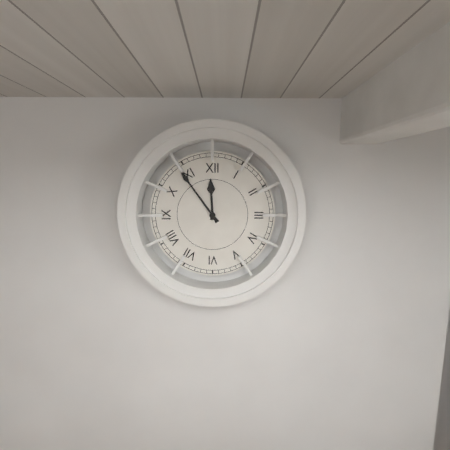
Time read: **11:54**
